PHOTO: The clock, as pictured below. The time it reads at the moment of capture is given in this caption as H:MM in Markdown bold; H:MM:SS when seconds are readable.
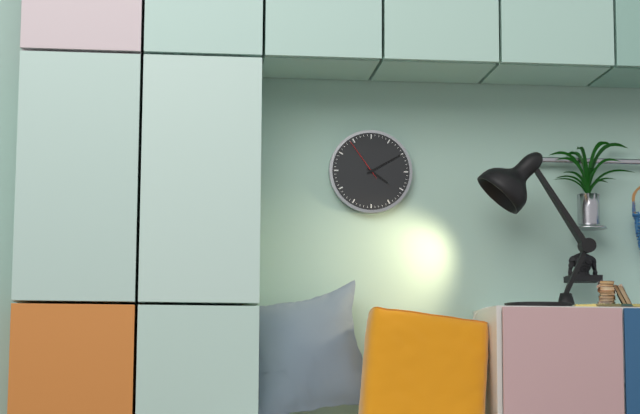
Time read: **4:10**
